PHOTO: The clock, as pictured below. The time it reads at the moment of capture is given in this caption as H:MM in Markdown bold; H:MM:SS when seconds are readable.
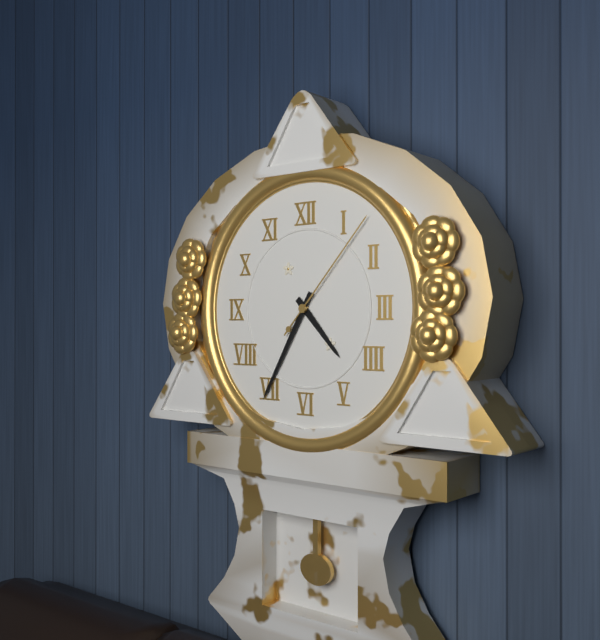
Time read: **4:35:07**
